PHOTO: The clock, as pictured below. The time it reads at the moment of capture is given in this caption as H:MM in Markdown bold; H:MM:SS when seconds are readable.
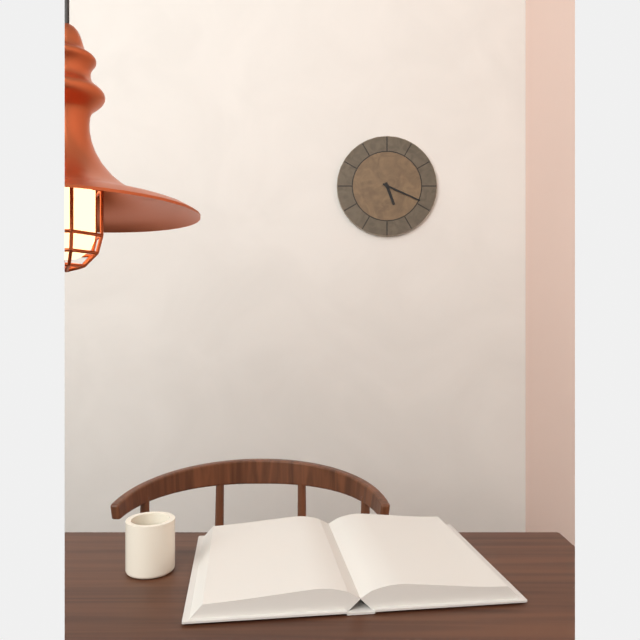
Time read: **5:19**
